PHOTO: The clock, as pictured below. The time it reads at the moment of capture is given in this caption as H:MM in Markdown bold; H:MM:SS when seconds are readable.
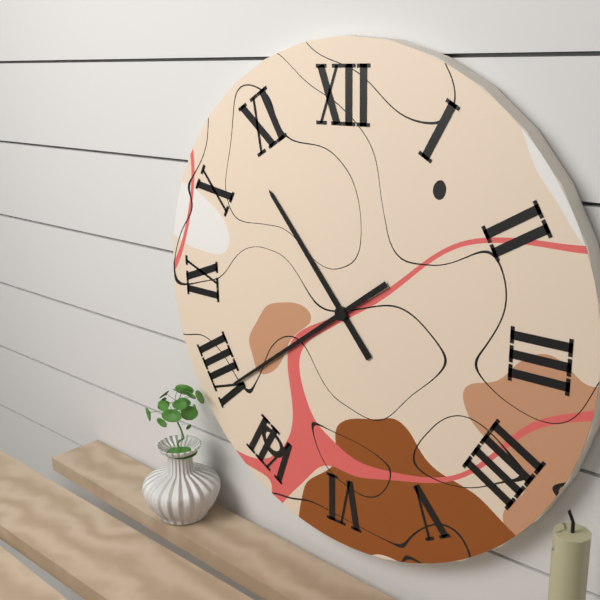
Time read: **10:39**
